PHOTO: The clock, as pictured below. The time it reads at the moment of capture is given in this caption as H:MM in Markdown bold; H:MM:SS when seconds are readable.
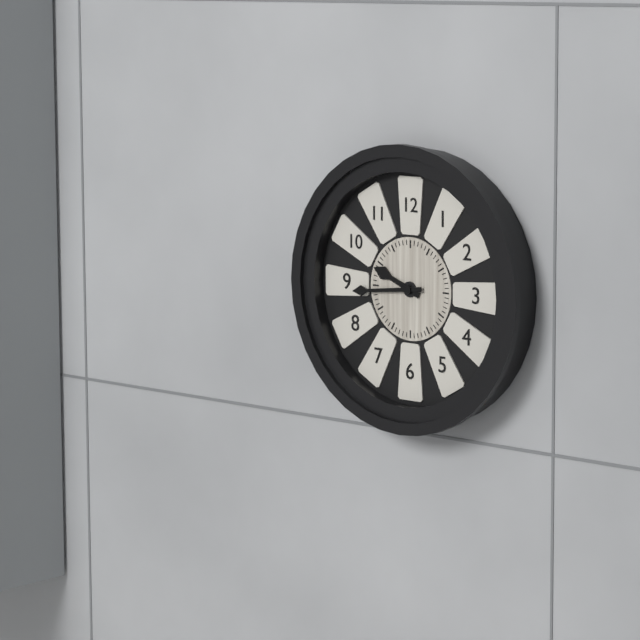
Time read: **9:44**
